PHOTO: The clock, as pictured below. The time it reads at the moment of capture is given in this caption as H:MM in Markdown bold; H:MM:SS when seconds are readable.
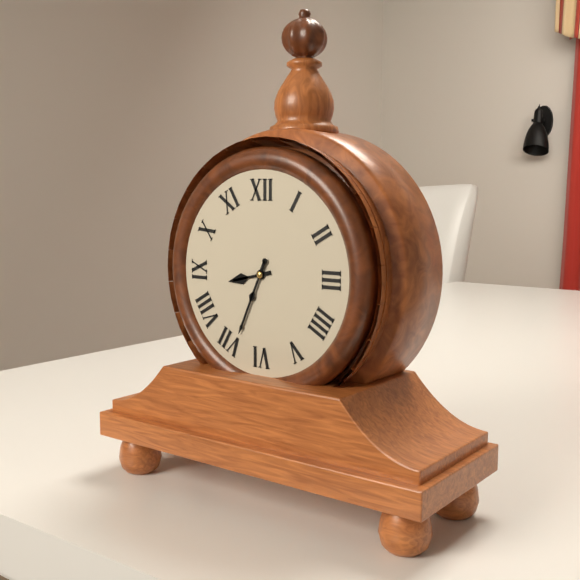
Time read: **8:34**
